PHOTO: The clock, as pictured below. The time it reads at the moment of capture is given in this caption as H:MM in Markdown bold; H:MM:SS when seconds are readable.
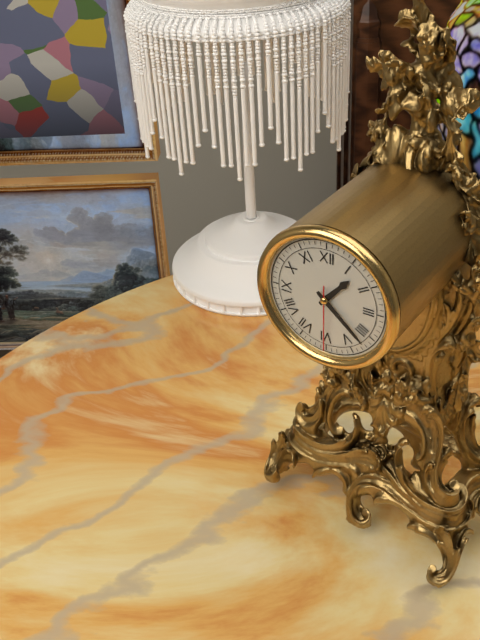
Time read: **1:22:30**
